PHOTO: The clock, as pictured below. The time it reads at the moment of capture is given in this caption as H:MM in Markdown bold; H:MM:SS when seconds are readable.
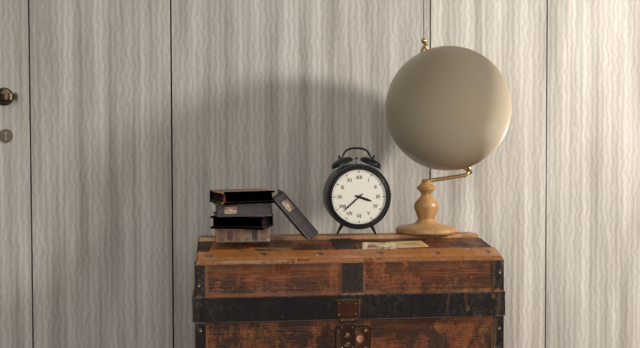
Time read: **3:38**
